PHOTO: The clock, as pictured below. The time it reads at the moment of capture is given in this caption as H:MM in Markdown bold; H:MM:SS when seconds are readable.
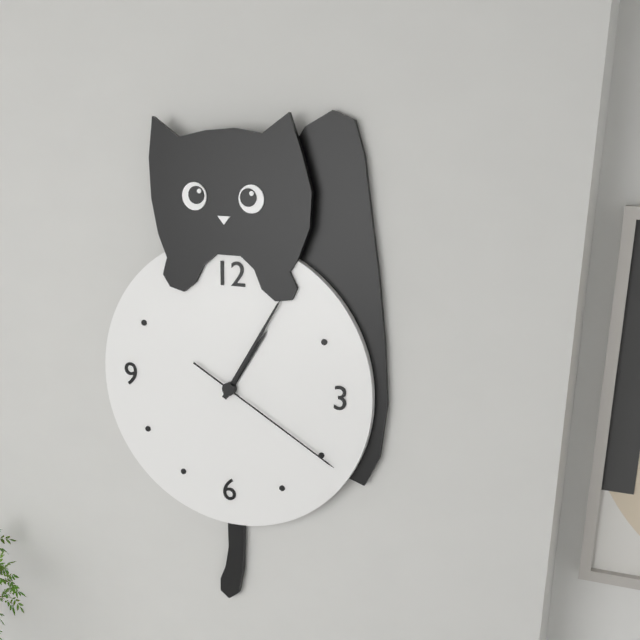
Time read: **1:05:20**
